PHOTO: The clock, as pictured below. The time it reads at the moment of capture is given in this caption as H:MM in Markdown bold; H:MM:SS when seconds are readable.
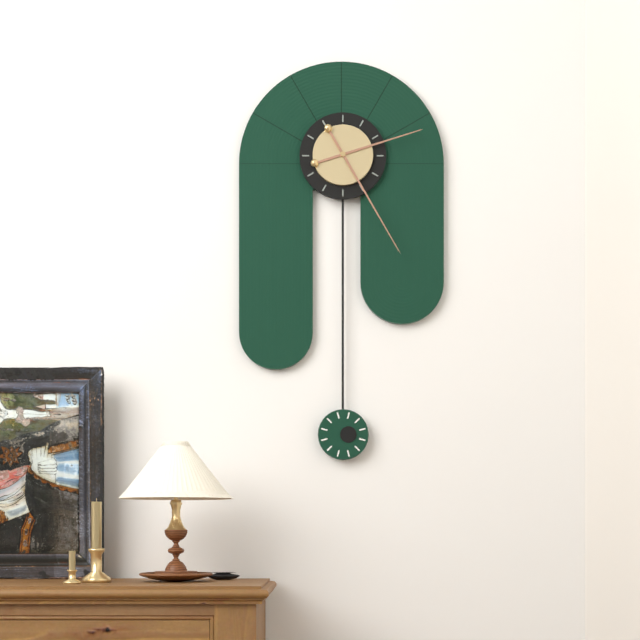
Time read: **2:25**
